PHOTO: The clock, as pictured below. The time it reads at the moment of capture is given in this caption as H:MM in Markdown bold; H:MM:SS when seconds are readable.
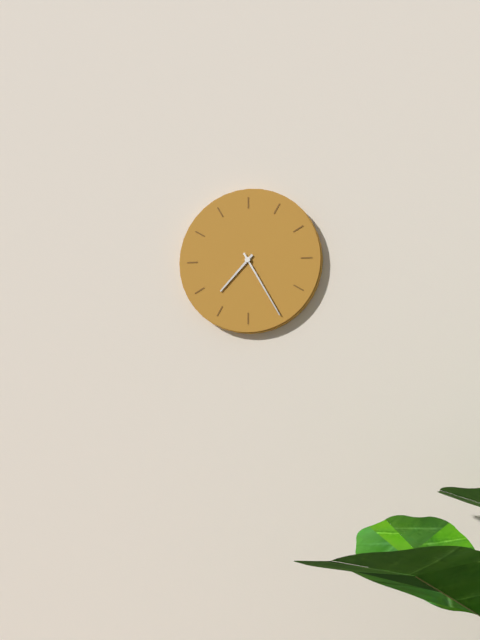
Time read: **7:25**
